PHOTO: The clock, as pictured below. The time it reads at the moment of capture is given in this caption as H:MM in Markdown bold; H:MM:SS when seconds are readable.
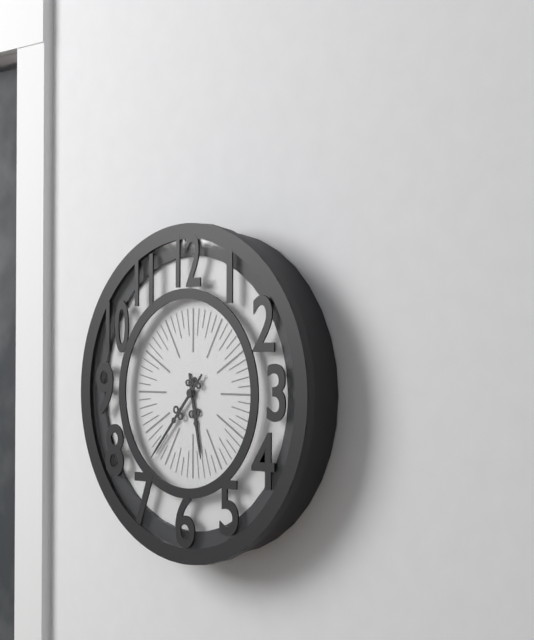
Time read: **5:37**
